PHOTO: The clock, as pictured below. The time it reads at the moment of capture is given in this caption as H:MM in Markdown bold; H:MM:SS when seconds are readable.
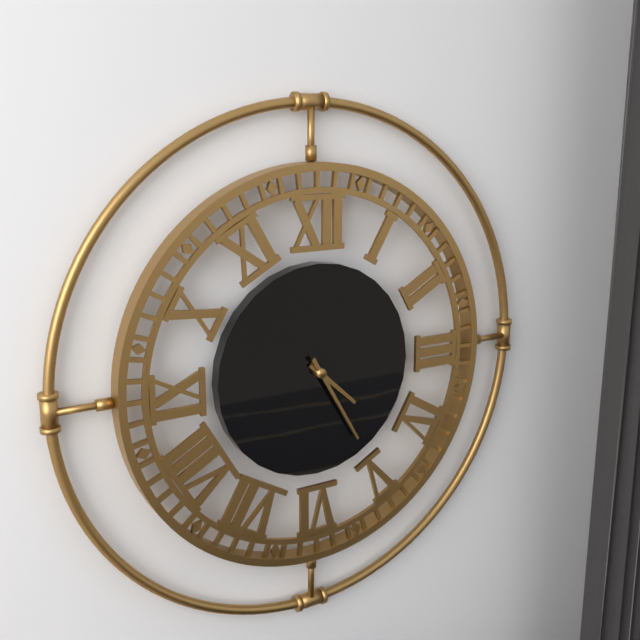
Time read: **4:25**
